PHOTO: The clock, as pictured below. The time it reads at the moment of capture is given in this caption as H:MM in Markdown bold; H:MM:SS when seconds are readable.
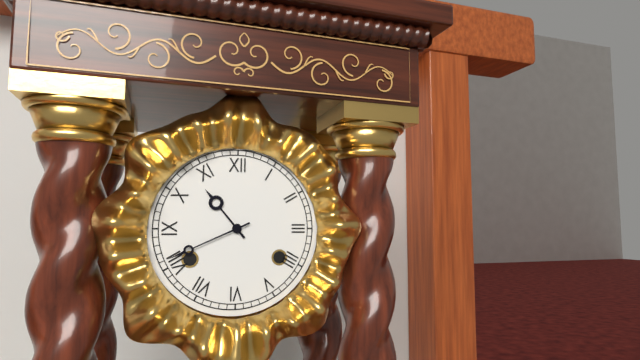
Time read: **10:41**
